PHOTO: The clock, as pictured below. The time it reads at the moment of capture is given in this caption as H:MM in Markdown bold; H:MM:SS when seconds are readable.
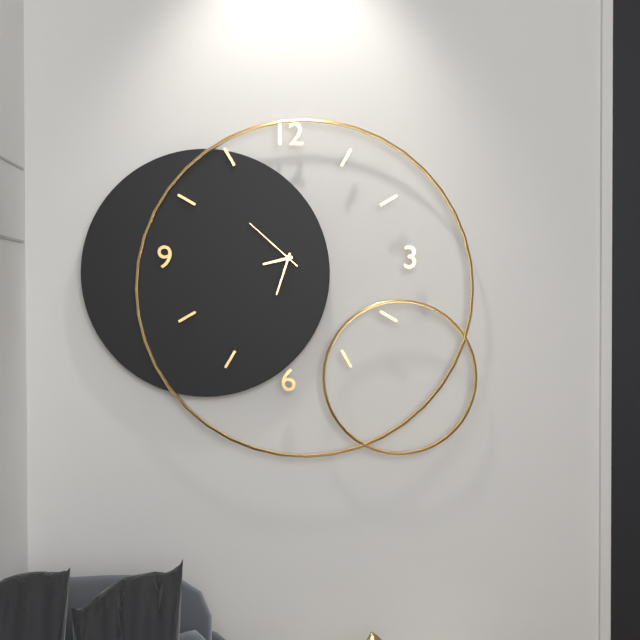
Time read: **8:33:52**
